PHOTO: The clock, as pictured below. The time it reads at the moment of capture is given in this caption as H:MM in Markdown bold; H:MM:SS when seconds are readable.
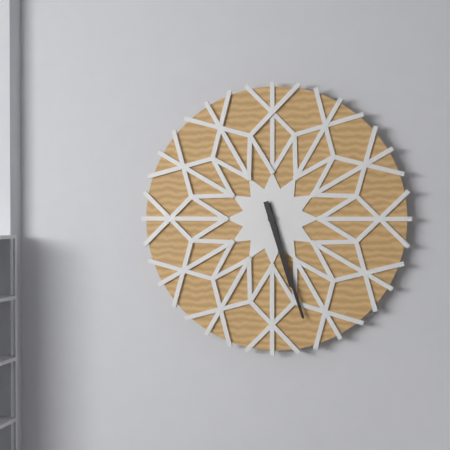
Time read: **5:27**
